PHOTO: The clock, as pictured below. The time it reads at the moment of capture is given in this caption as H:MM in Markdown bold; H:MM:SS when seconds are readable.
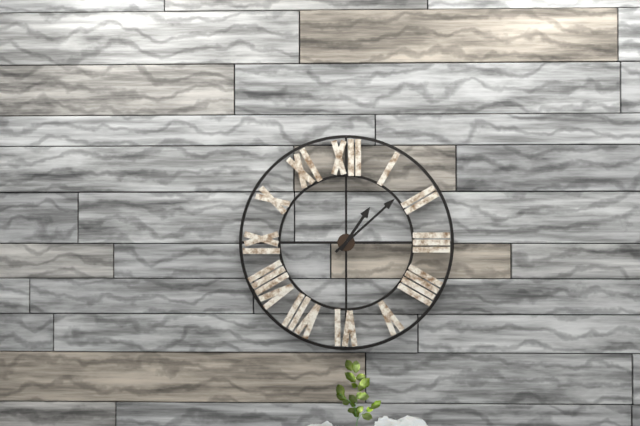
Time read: **1:08**
